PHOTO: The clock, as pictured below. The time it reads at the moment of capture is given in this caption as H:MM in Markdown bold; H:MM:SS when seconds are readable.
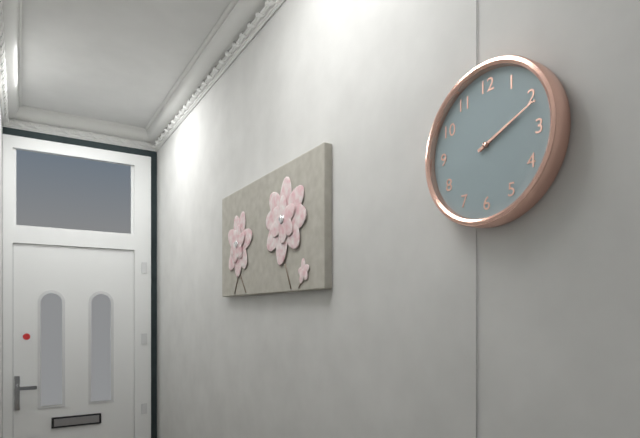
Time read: **2:11**
